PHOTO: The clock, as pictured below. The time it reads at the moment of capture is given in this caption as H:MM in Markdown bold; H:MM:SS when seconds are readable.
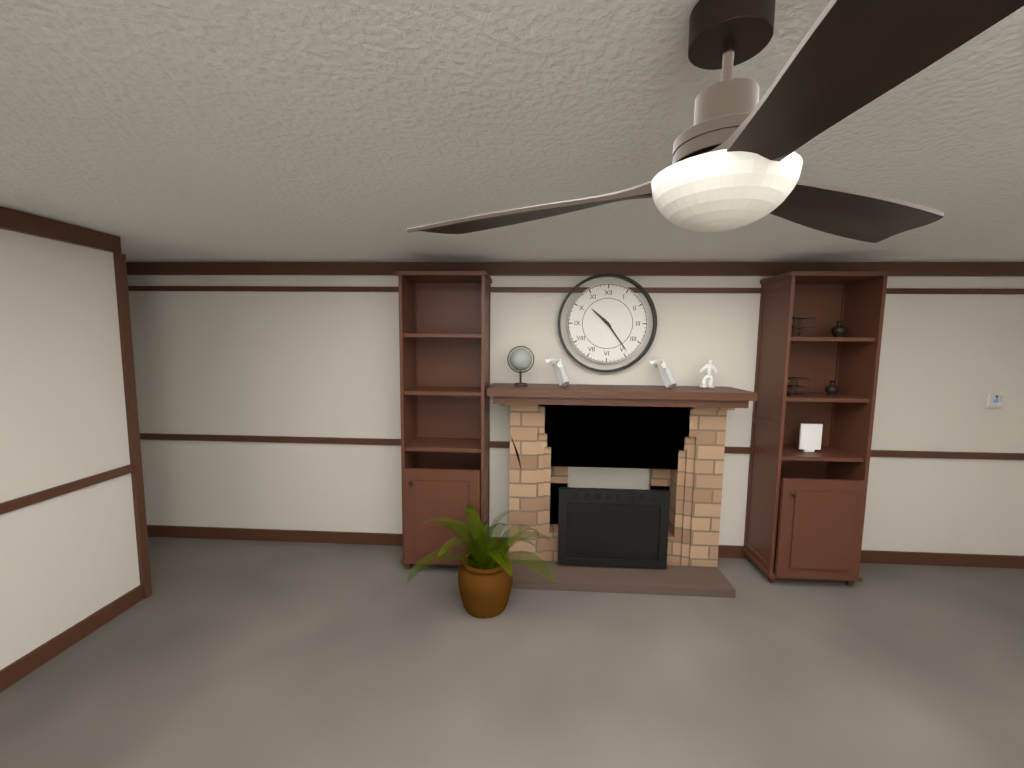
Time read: **10:24**
